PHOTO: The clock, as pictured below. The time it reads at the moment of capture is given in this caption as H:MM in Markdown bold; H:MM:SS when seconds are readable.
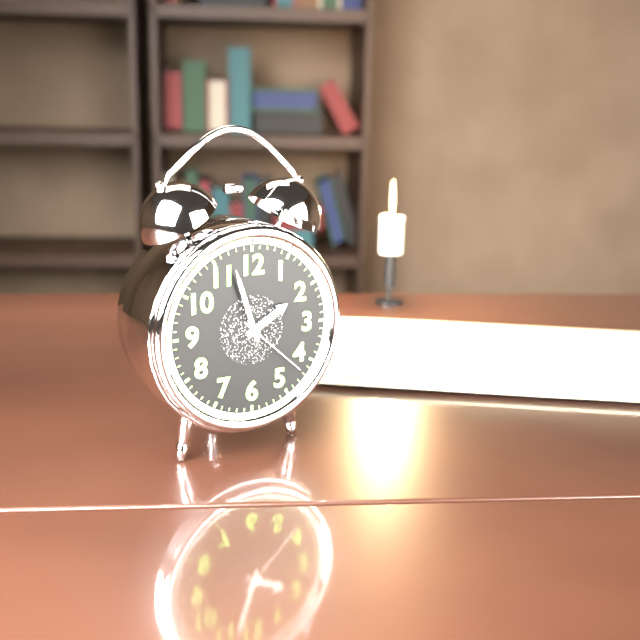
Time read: **1:57:22**
